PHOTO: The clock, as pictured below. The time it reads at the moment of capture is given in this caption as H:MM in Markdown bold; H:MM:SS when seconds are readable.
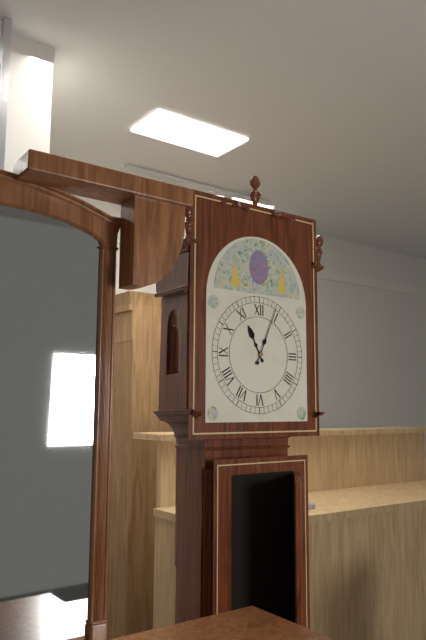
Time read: **11:04**
